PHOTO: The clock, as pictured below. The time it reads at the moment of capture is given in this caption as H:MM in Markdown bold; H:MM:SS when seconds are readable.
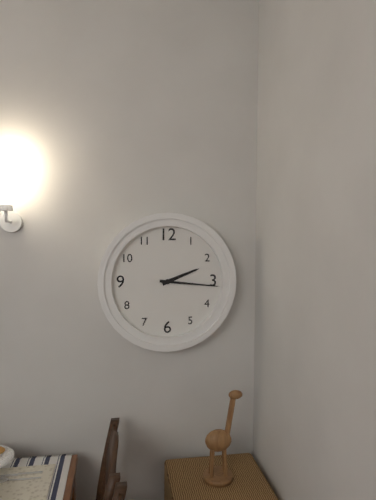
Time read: **2:16**
